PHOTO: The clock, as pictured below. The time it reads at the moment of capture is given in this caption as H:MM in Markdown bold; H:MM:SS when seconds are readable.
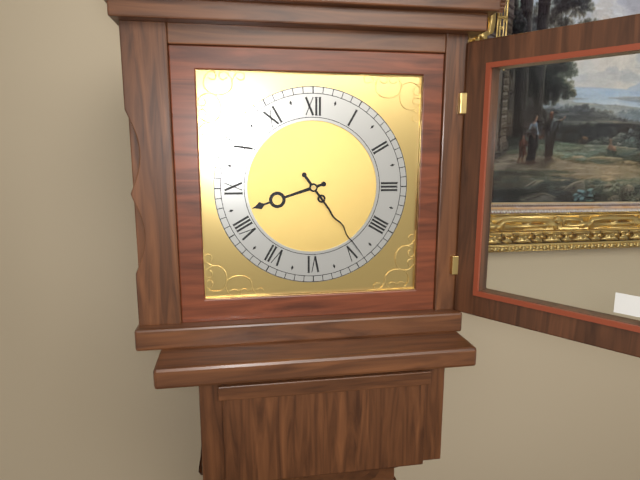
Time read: **8:24**
